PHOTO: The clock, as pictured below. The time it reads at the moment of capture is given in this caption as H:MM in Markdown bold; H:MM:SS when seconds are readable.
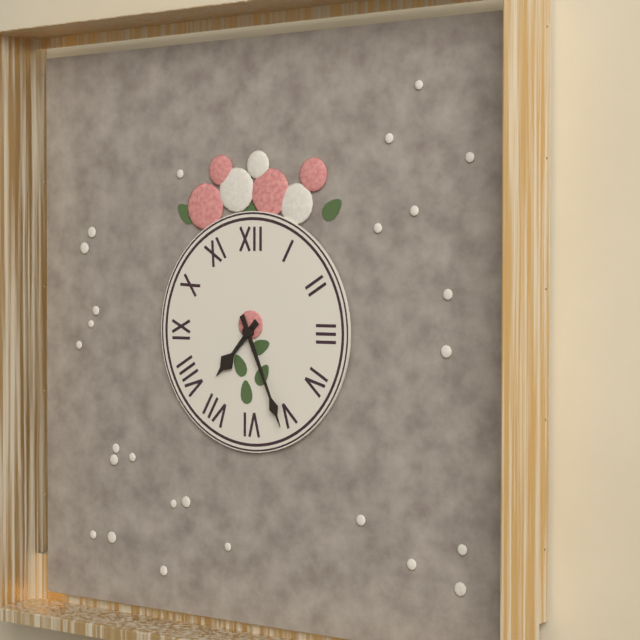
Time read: **7:26**
